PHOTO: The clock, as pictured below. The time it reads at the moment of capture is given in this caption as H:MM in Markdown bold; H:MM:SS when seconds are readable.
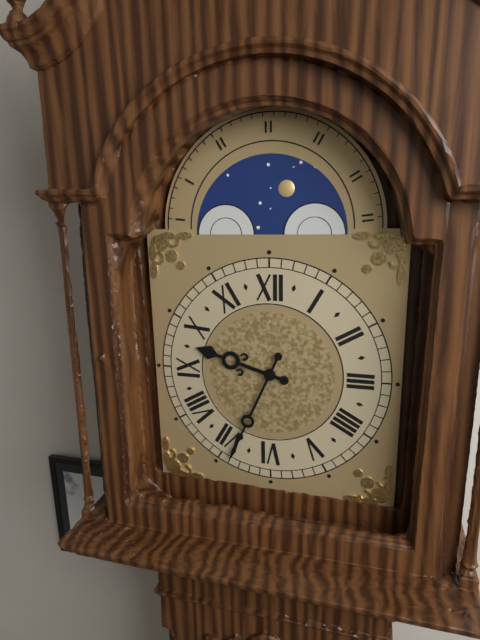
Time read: **9:34**
